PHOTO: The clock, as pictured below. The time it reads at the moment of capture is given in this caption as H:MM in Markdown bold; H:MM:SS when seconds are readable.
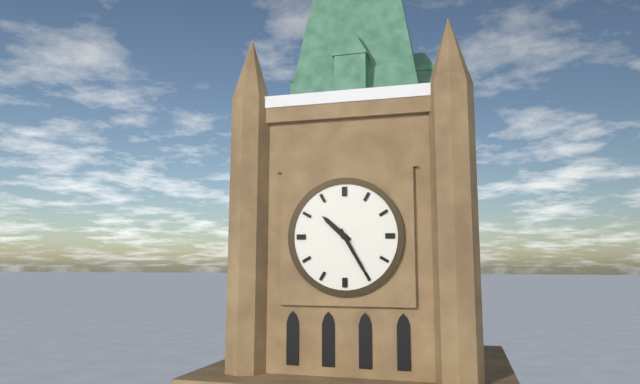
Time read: **10:25**
